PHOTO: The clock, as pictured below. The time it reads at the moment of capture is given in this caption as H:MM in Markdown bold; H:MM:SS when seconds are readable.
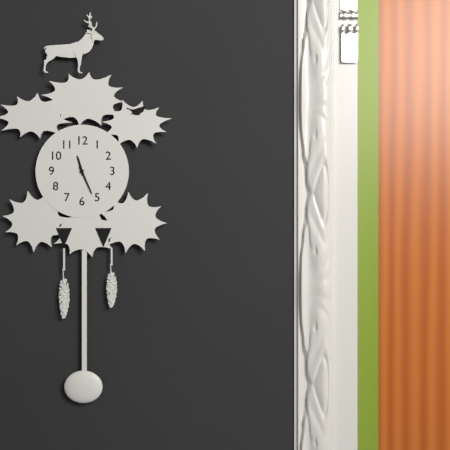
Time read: **11:26**
